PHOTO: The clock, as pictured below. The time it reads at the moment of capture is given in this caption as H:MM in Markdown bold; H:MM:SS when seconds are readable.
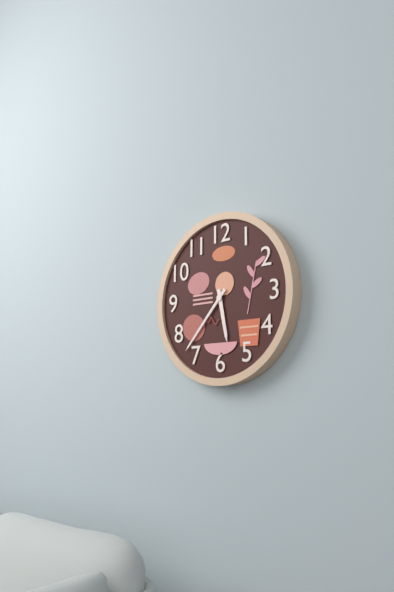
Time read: **5:37**
